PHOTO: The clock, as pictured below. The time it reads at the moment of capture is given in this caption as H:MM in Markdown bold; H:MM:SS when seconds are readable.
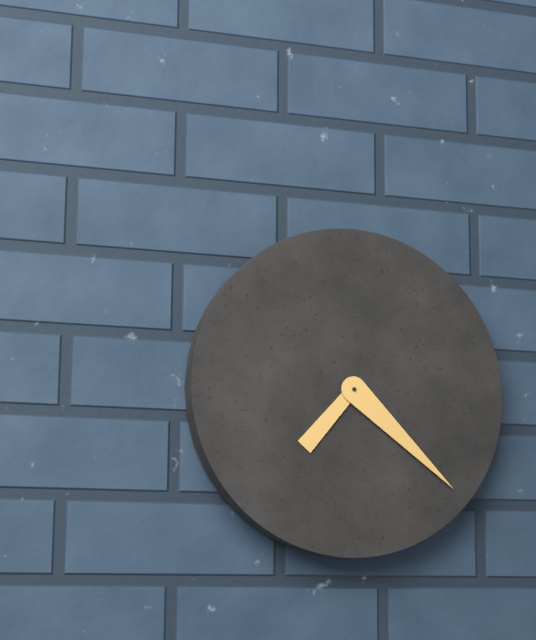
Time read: **7:22**
